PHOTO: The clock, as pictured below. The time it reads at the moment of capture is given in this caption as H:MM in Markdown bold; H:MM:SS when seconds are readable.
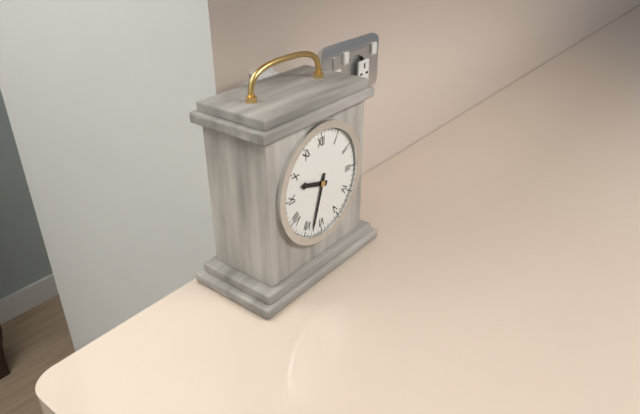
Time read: **9:33**
